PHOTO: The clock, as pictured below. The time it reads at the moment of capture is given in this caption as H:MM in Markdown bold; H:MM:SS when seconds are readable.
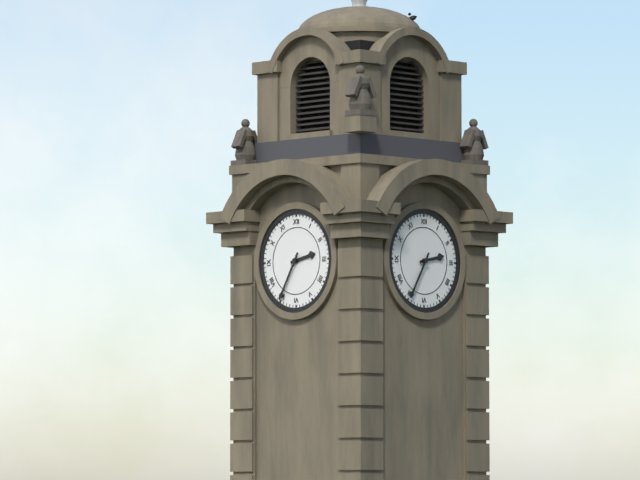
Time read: **2:35**
